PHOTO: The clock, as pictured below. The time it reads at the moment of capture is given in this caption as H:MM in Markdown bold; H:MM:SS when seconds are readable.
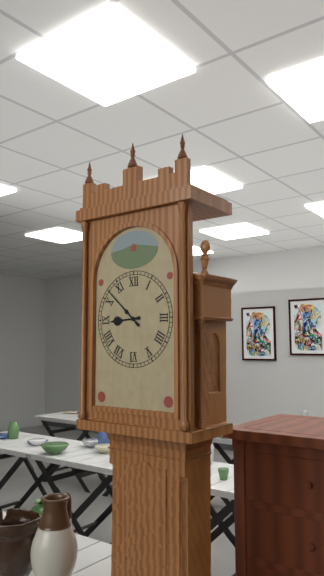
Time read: **8:52**
